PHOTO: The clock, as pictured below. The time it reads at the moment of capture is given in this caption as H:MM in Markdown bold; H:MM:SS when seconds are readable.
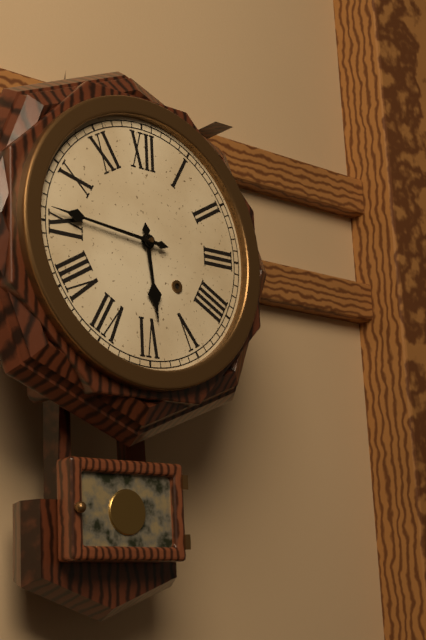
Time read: **5:46**
